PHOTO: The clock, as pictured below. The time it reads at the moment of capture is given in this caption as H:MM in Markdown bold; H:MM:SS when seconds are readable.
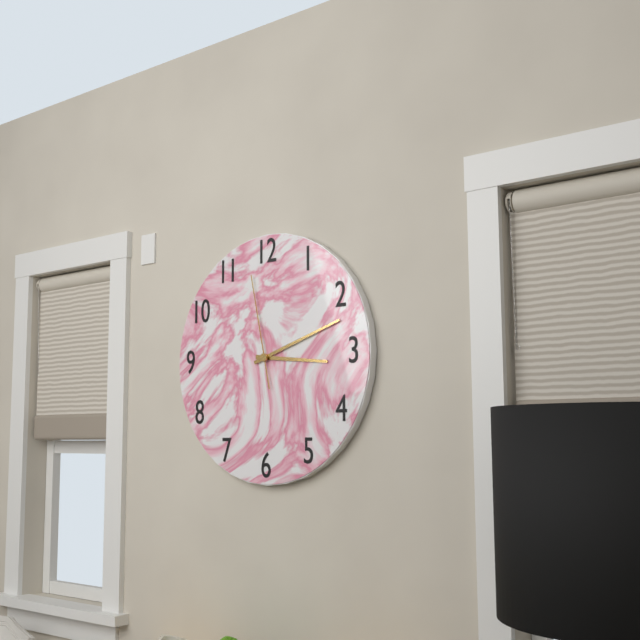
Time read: **3:12:58**
